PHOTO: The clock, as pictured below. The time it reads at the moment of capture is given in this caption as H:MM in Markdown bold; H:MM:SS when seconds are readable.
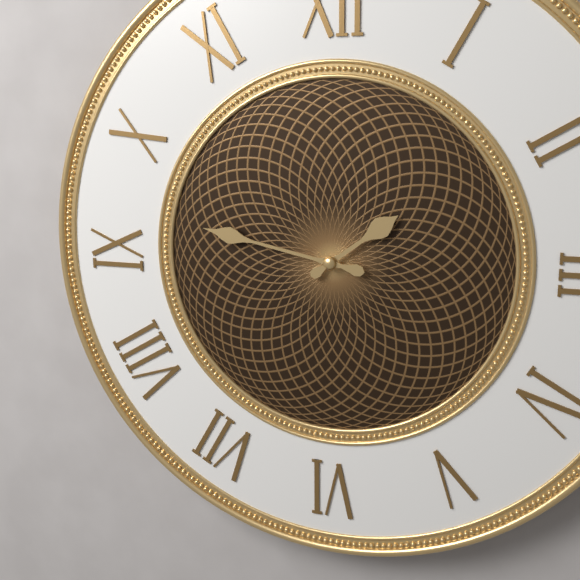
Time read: **1:47**
